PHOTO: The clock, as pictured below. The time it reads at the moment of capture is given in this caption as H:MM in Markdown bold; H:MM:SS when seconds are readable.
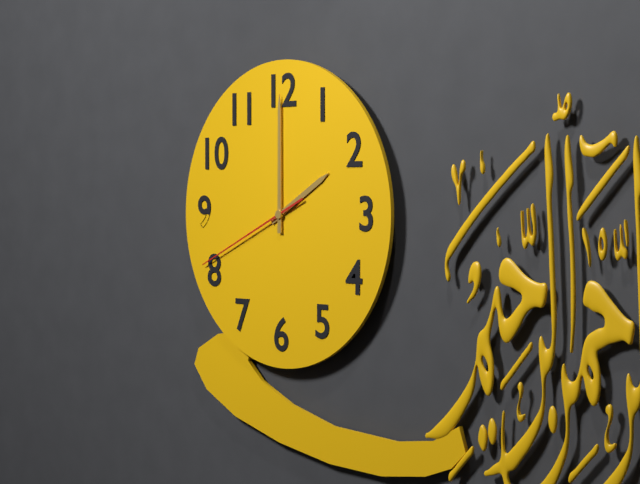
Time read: **2:00:41**
